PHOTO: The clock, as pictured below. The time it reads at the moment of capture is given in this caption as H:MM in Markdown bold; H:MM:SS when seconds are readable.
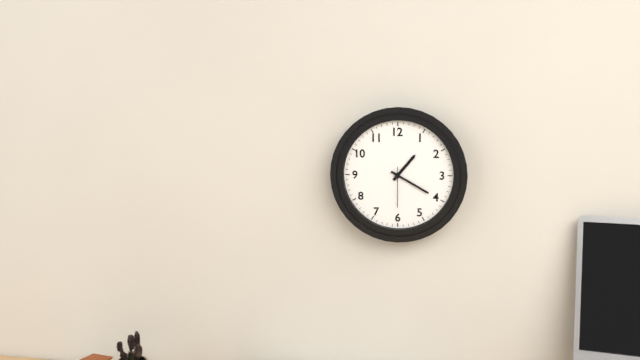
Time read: **1:20**
